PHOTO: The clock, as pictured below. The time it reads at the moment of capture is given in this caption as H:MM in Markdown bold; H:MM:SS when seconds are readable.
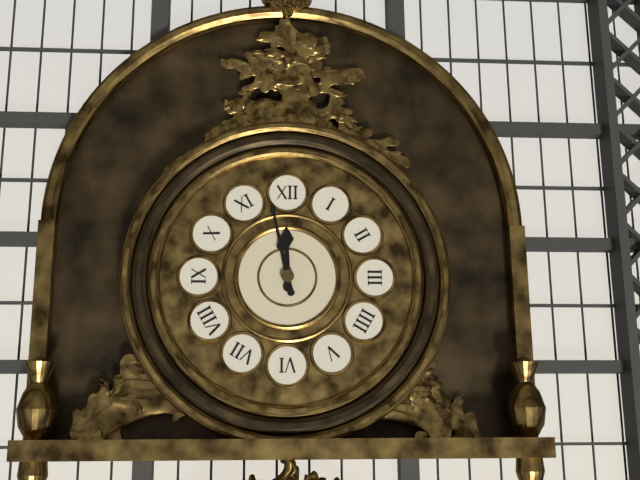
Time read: **11:58**
